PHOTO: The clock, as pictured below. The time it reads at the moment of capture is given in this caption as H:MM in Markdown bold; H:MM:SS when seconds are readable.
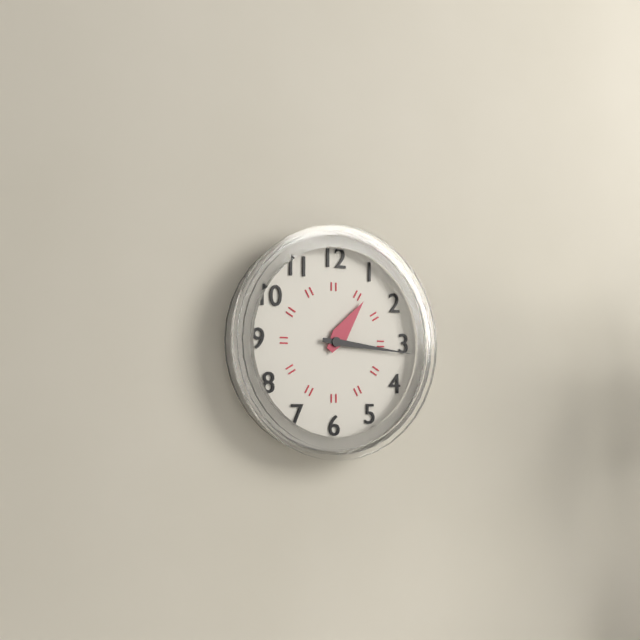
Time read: **1:16**
